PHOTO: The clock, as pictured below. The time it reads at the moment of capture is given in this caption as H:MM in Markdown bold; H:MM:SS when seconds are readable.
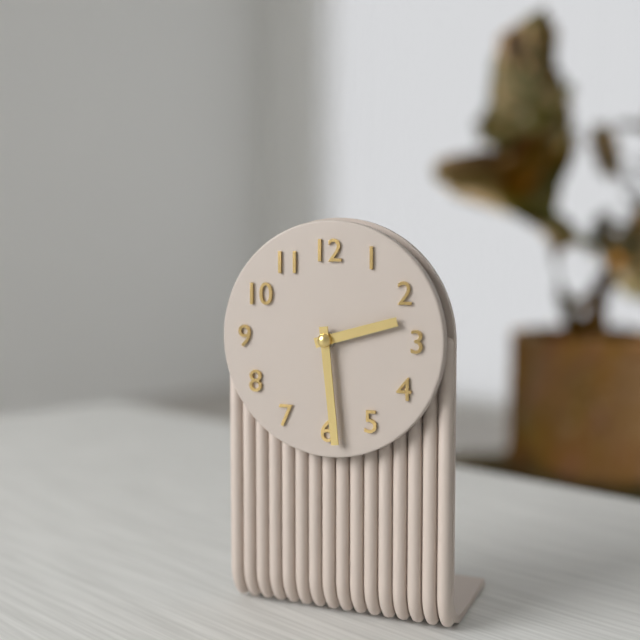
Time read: **2:29**
